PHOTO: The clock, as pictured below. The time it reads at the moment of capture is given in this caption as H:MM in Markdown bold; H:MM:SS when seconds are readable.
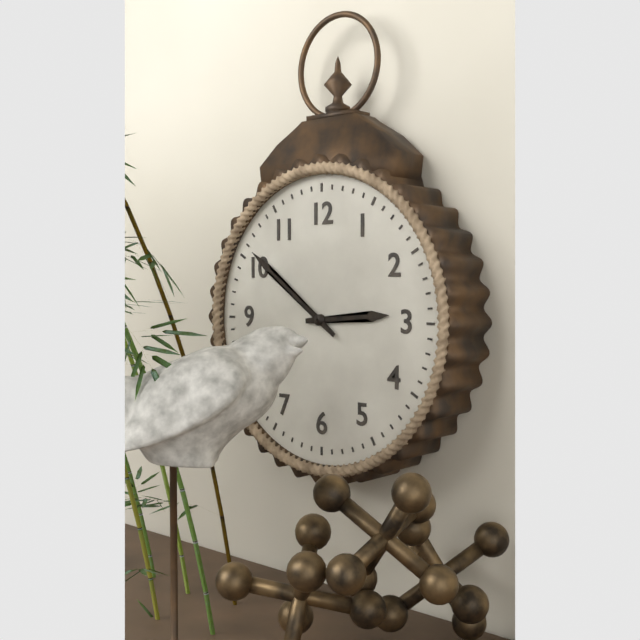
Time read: **2:51**
